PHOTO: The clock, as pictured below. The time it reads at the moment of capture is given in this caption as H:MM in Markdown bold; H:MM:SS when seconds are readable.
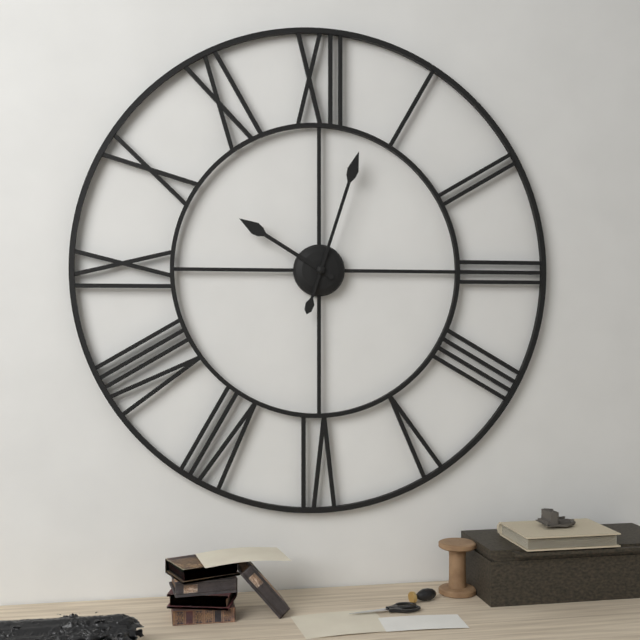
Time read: **10:03**
